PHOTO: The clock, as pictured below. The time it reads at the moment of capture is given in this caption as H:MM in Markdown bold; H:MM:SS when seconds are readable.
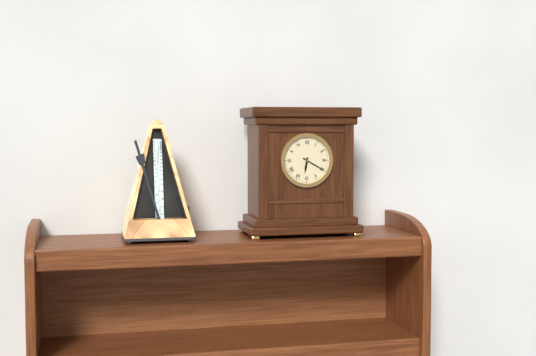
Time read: **6:20**
